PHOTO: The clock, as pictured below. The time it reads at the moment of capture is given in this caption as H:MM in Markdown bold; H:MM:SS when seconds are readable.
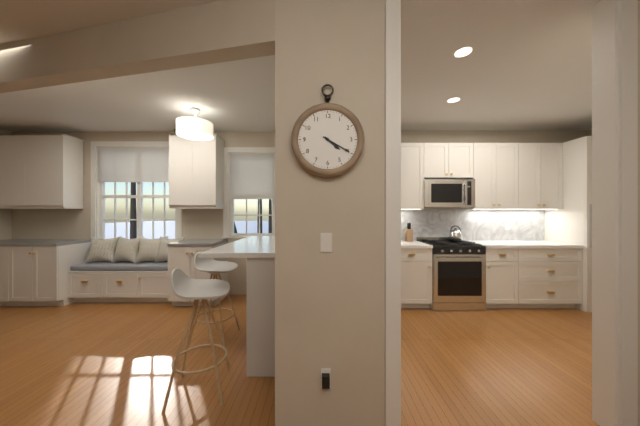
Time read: **4:20**
